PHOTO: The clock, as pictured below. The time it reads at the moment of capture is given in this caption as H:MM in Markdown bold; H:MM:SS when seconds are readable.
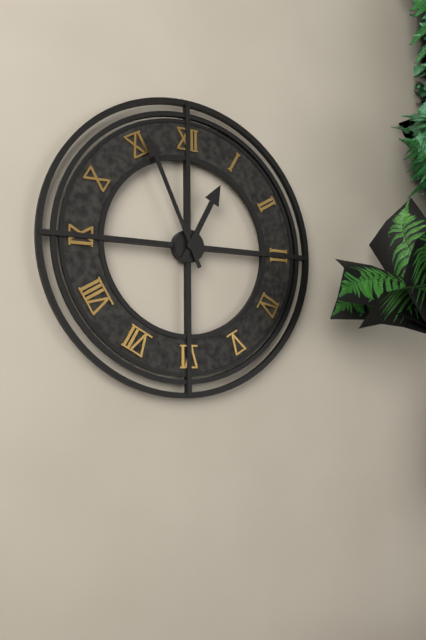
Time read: **12:56**
